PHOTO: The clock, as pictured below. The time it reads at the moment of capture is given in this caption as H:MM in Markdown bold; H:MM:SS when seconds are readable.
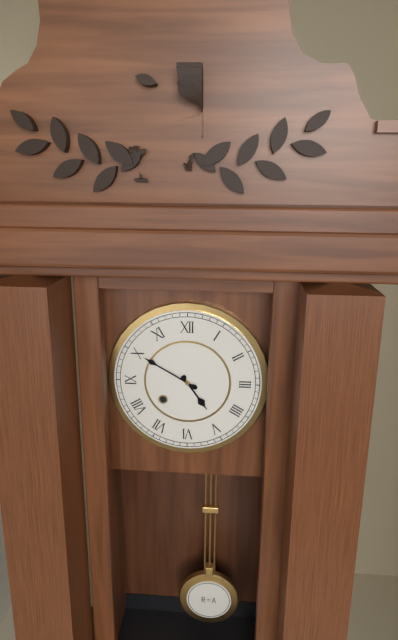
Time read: **4:50**
